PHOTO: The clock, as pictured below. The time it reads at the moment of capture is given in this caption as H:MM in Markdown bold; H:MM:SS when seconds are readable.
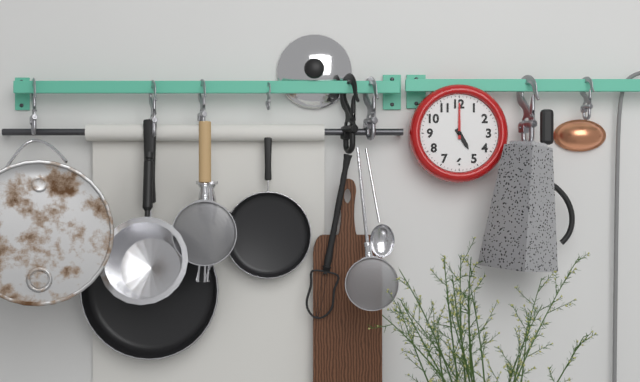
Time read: **5:00**
